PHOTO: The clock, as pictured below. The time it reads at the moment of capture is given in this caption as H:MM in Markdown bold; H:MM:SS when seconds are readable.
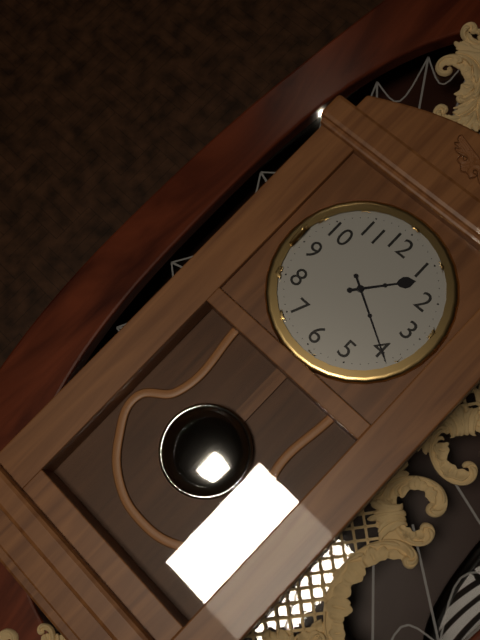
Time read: **1:20**
